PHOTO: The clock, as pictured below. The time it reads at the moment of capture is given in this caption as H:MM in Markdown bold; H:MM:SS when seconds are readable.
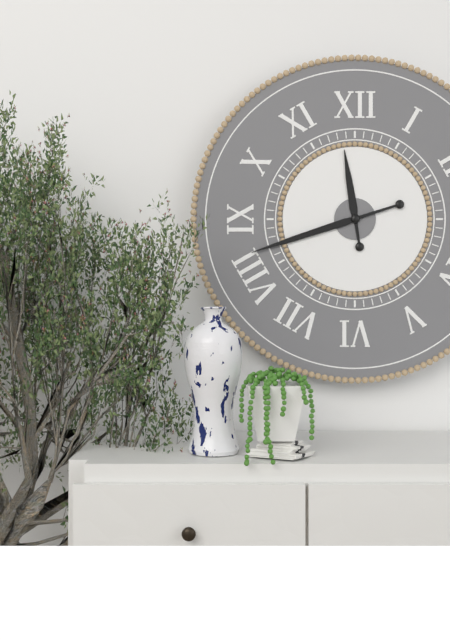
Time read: **11:42**
